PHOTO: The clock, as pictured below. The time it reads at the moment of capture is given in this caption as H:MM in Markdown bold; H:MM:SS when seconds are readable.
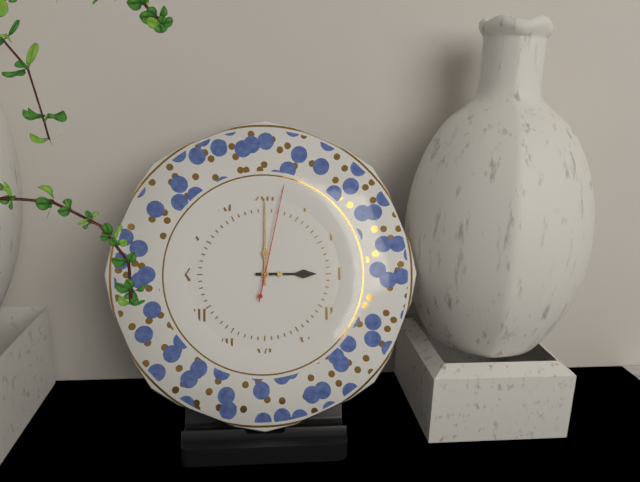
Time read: **3:00:02**
